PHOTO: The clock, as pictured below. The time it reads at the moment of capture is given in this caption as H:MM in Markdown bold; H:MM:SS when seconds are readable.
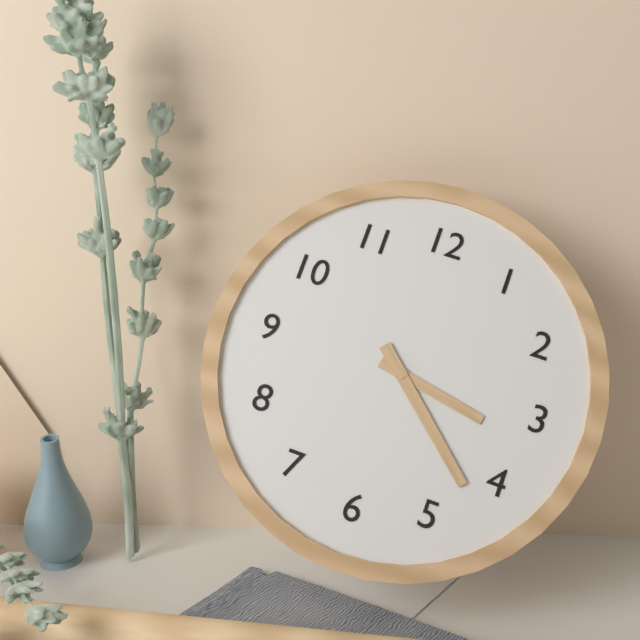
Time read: **3:22**
